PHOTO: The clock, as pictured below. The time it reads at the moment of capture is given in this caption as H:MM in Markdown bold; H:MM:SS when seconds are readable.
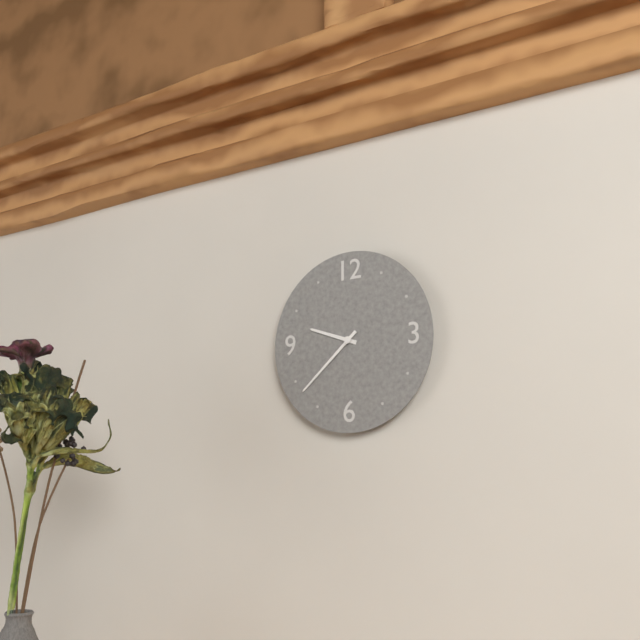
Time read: **9:38**
